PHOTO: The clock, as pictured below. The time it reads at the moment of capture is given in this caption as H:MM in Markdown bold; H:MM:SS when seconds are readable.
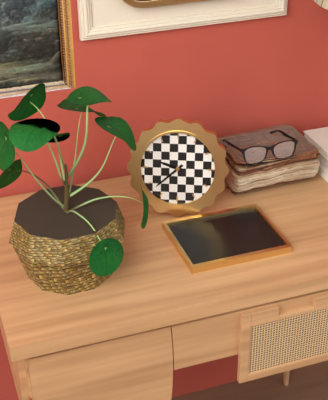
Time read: **9:38**
